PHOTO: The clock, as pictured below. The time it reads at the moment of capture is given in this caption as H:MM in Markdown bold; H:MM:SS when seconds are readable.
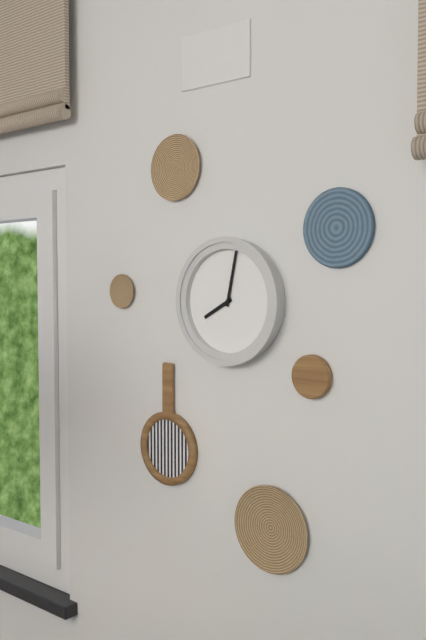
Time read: **8:02**
